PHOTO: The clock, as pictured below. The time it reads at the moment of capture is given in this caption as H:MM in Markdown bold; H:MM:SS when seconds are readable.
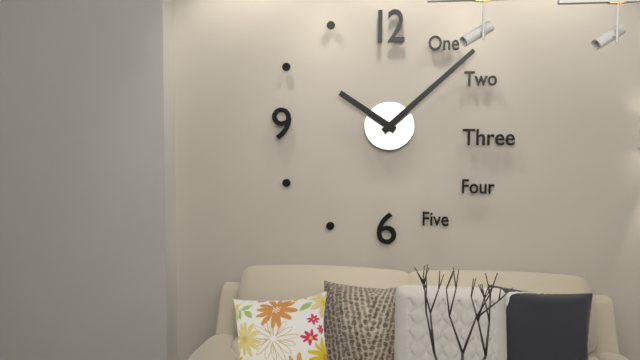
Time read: **10:08**
